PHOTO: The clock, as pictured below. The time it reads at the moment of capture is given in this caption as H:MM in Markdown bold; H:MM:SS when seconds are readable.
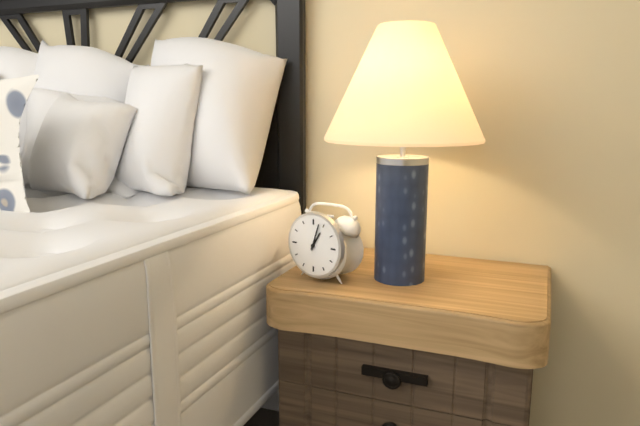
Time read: **1:03**
